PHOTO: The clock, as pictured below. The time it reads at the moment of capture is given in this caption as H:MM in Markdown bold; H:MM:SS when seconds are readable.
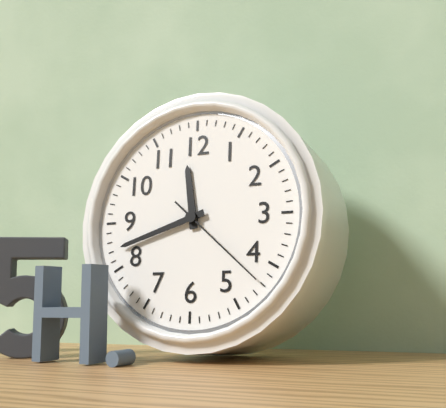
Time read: **11:42:22**
